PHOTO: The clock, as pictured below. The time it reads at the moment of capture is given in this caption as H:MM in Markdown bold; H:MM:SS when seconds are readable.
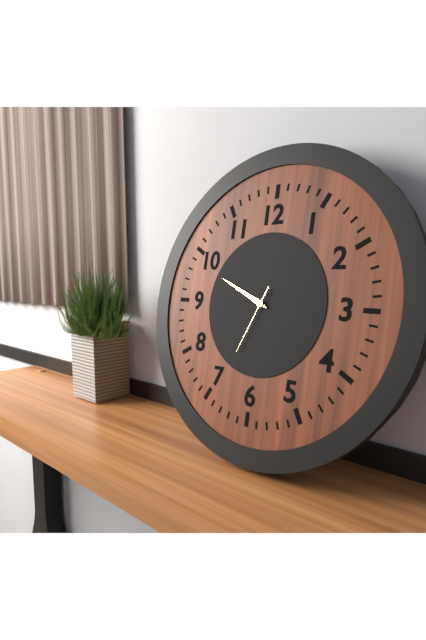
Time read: **9:49:34**
